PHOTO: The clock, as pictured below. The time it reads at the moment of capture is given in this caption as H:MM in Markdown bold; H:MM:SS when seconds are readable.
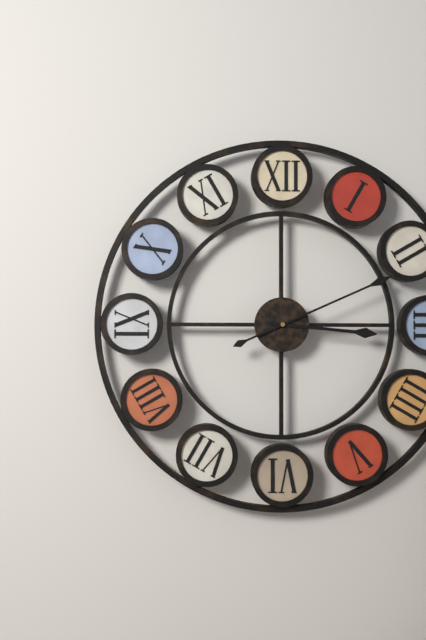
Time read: **3:11**
